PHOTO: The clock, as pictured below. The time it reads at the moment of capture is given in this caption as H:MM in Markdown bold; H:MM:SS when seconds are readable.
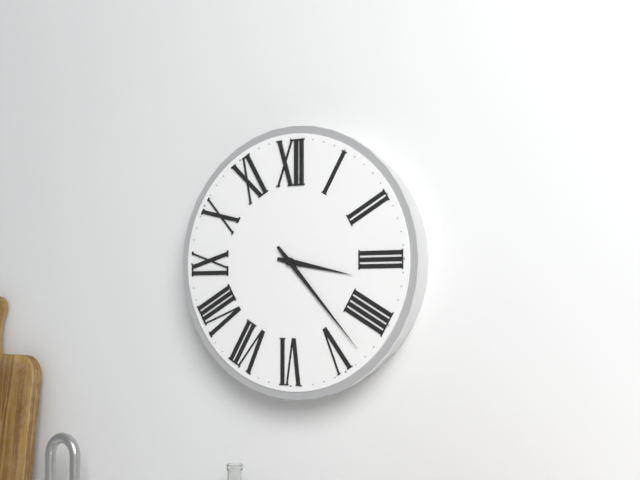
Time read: **3:23**
